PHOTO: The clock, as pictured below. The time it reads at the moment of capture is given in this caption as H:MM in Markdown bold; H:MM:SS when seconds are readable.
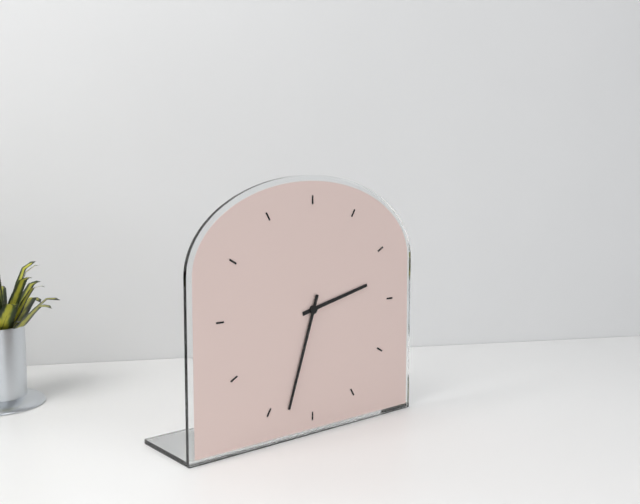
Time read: **2:33**
